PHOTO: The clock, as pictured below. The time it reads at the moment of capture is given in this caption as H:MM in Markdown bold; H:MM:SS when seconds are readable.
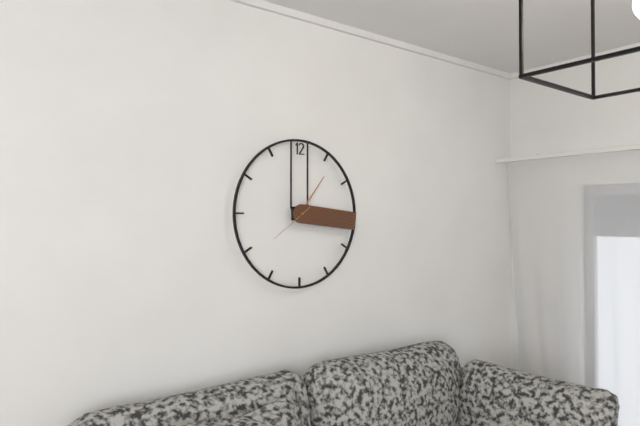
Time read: **1:16**
